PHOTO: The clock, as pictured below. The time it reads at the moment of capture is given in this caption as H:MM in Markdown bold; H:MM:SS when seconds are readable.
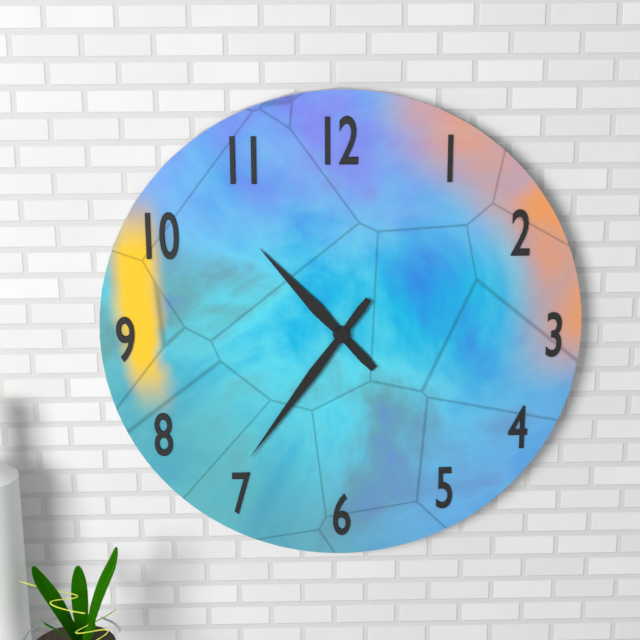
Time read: **10:36**
